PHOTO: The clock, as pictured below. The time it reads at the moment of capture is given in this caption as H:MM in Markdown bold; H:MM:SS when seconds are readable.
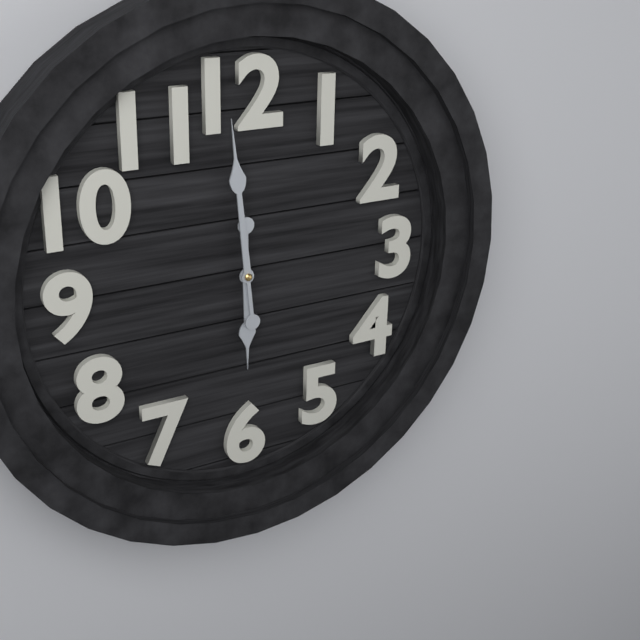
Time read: **5:59**
